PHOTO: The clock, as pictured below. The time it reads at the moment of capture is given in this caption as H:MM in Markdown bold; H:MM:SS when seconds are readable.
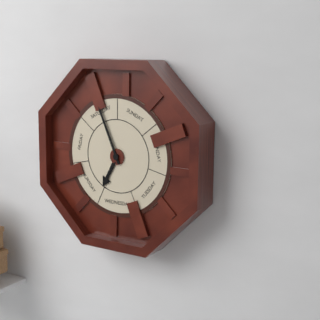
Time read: **6:56**
